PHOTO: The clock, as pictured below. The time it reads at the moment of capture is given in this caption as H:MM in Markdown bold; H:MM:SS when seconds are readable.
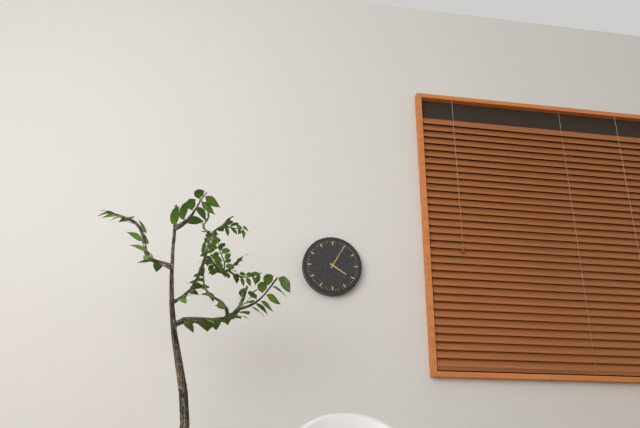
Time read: **4:05**
